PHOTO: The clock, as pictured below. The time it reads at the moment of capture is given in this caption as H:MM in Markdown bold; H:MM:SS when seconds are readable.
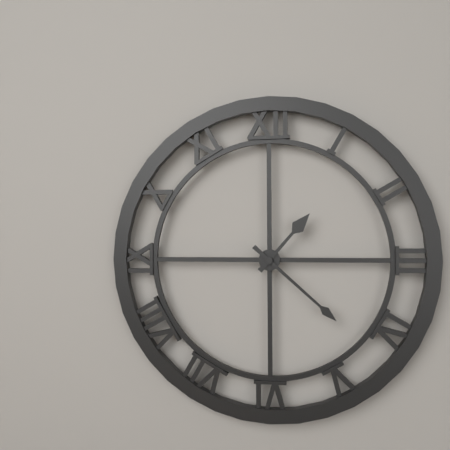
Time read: **1:22**
